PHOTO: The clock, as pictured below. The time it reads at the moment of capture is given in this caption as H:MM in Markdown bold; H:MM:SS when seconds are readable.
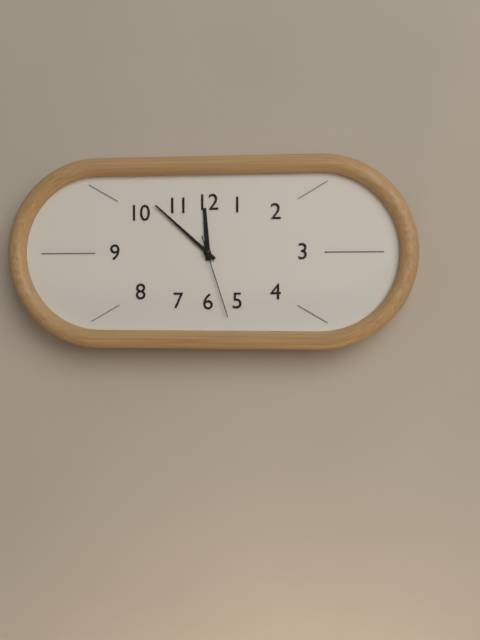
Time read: **11:52:27**
